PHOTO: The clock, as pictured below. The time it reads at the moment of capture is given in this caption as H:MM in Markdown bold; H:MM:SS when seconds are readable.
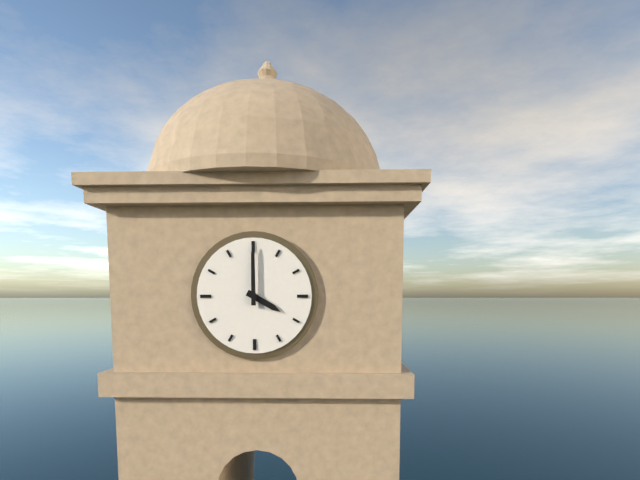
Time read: **4:00**
